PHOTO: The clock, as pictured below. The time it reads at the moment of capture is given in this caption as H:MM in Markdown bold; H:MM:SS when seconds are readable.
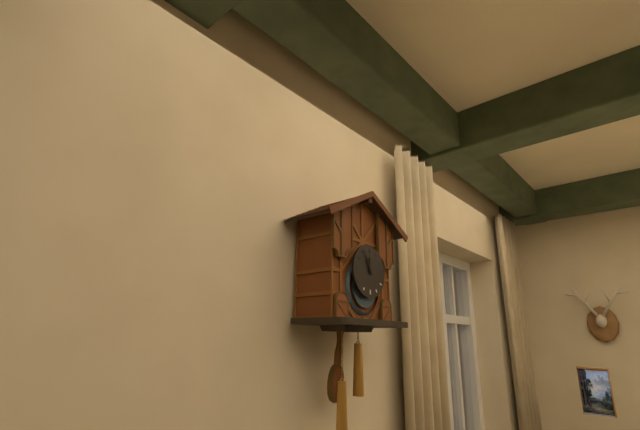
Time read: **11:55**
